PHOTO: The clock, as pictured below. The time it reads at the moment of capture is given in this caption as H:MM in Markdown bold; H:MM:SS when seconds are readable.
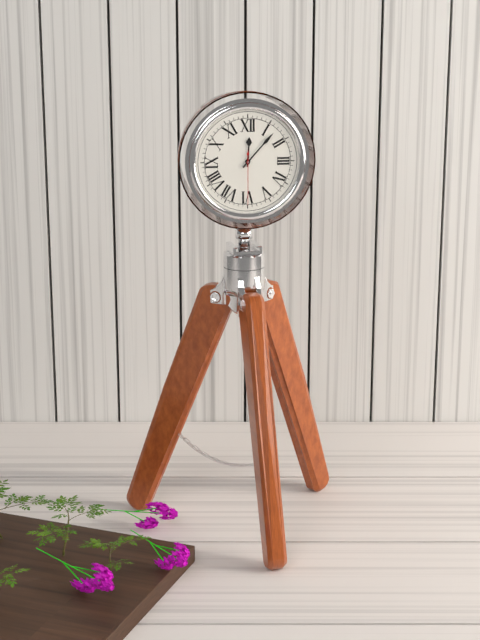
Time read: **12:07:30**
